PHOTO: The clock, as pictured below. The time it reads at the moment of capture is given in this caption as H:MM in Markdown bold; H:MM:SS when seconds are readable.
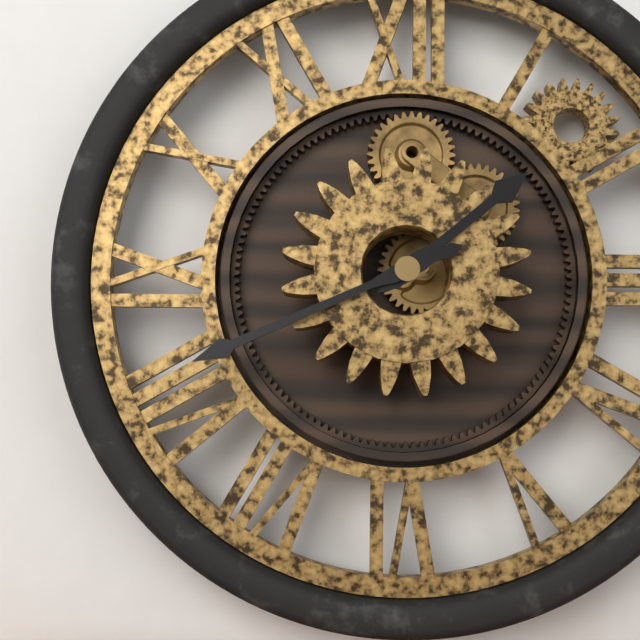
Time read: **1:41**
